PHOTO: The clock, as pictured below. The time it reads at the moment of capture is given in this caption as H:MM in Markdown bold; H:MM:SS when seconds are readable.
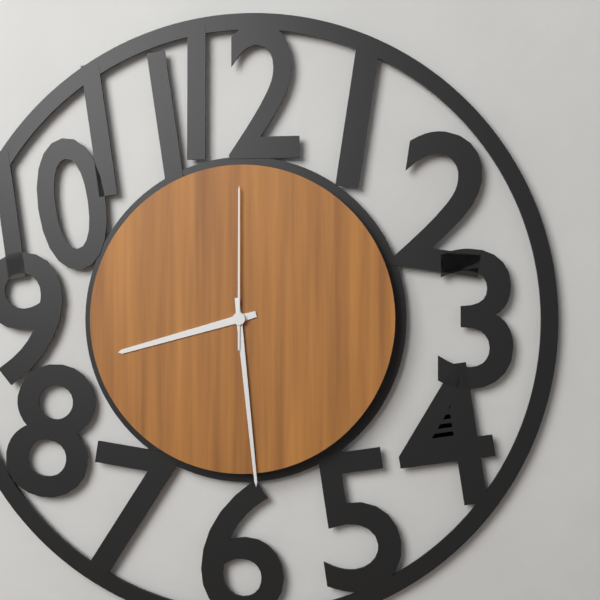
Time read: **8:29:00**
